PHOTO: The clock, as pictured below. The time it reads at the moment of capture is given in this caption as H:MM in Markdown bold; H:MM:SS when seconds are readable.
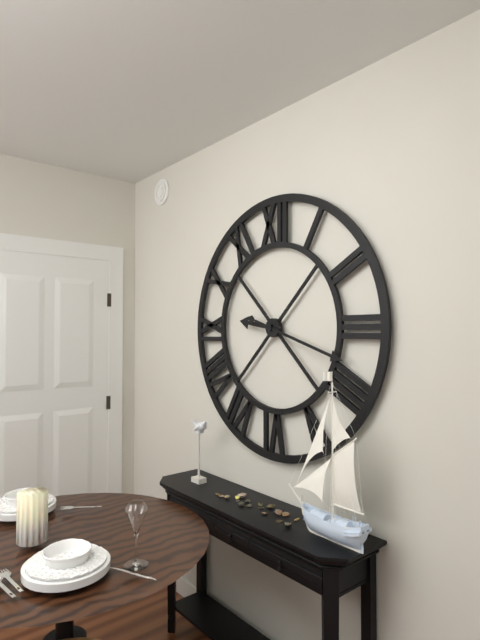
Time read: **9:18**
